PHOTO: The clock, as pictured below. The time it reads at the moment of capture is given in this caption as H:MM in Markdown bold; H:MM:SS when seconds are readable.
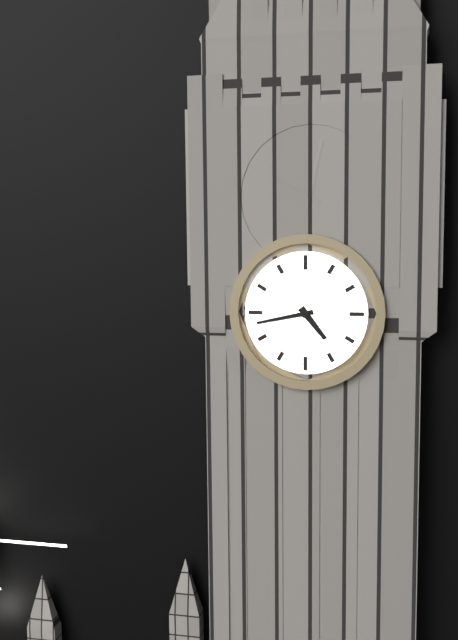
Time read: **4:43**
